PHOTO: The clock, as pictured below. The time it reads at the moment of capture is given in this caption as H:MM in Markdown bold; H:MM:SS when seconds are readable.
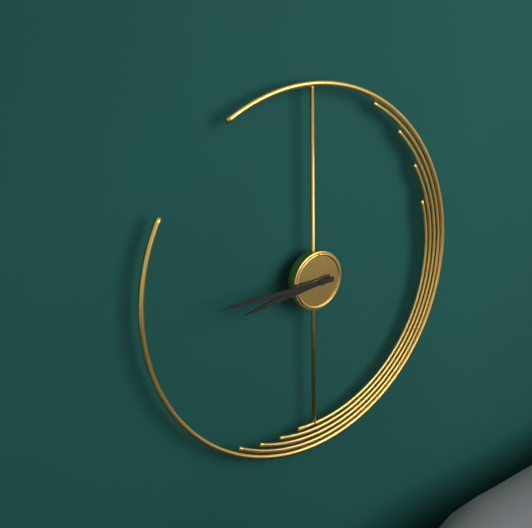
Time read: **8:45**
